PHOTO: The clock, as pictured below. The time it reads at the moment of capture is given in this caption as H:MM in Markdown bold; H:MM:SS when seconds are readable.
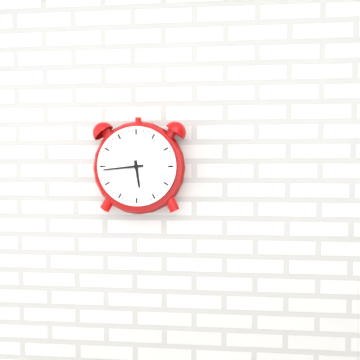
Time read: **5:44**
